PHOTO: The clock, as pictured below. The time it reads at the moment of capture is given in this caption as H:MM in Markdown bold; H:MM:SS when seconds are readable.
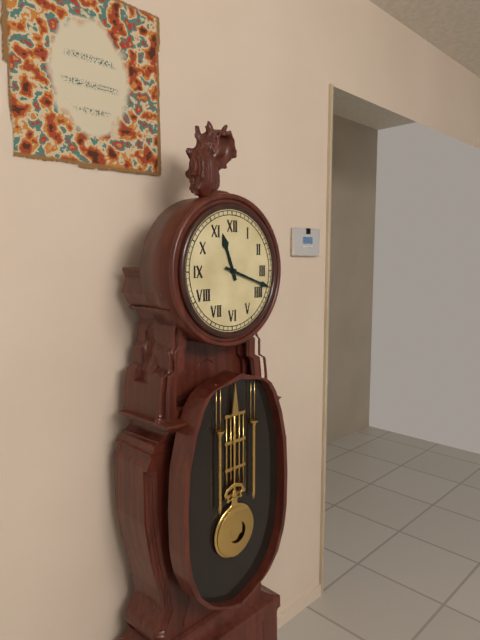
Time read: **11:18**
